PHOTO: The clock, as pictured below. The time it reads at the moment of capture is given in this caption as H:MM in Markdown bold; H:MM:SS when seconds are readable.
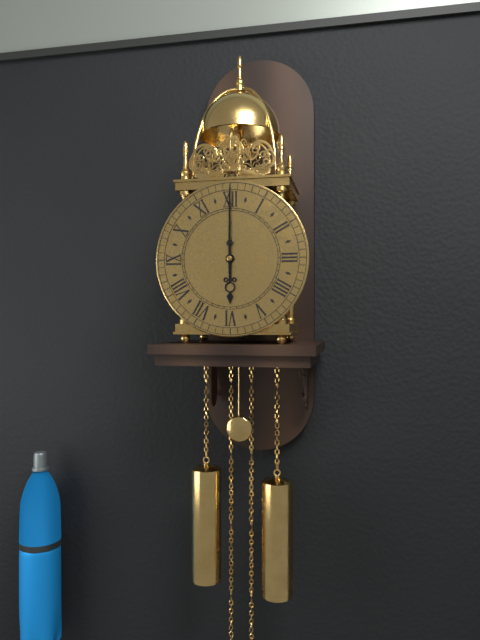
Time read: **6:00**
